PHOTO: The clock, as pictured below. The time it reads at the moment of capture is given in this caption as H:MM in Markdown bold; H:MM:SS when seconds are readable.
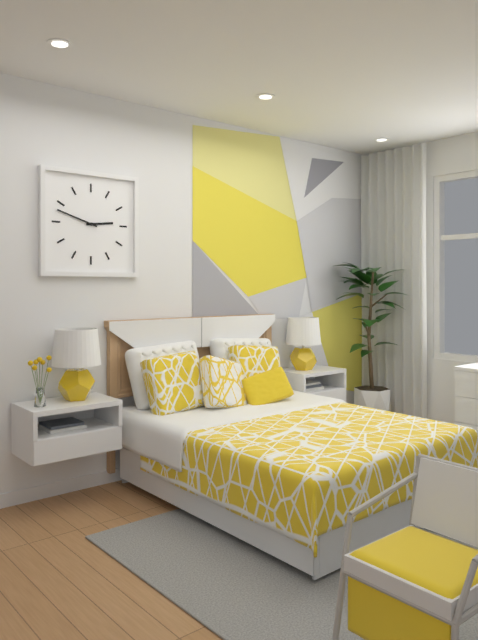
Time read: **2:48**
